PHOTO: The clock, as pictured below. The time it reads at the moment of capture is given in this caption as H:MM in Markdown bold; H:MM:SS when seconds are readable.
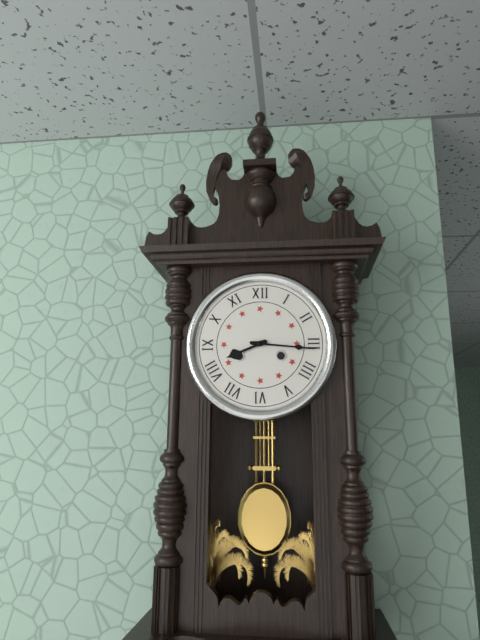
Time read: **8:16**
